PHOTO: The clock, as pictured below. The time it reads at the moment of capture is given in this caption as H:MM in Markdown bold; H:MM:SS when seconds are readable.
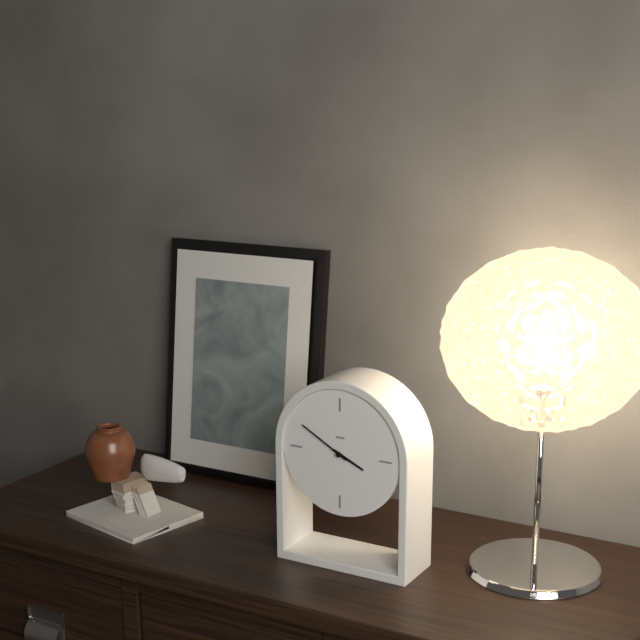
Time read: **3:50**
